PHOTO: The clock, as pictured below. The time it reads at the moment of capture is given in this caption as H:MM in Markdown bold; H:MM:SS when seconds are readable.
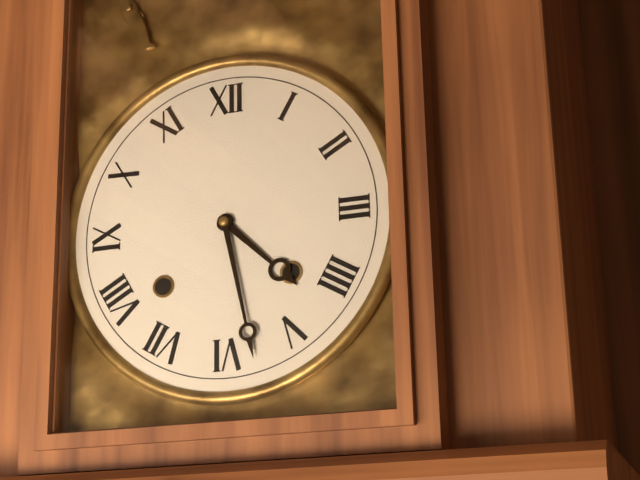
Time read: **4:28**
